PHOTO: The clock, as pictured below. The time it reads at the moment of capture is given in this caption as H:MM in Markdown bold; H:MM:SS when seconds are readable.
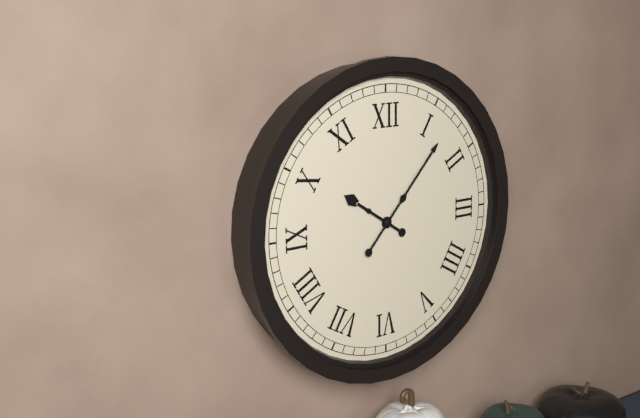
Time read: **10:07**
